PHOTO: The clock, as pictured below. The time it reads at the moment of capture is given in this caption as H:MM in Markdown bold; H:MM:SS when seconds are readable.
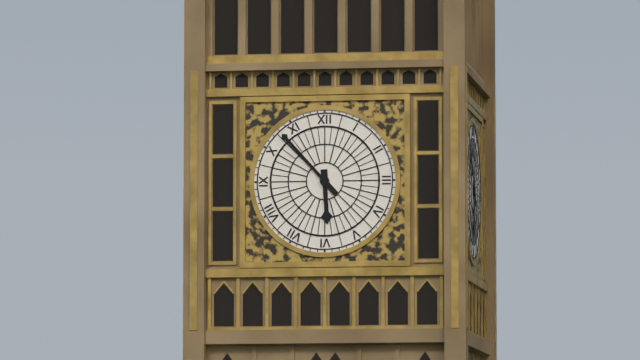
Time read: **5:53**
